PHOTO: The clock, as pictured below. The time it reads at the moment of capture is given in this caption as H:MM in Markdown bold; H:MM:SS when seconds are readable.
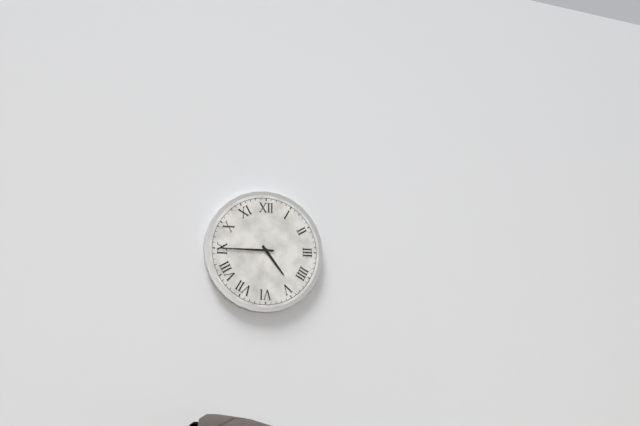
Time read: **4:45**
